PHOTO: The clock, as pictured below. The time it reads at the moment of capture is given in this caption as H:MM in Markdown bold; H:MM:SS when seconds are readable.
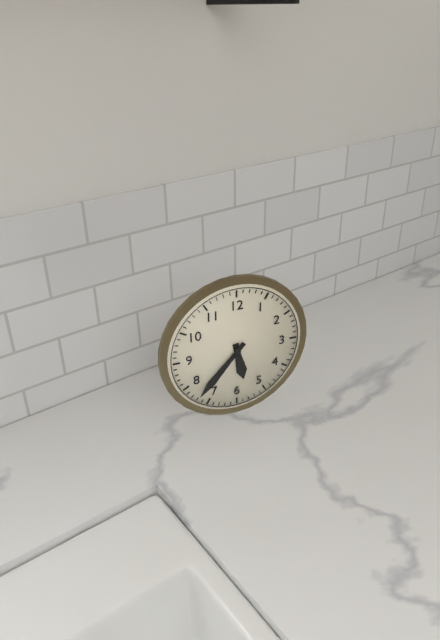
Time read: **5:37**
